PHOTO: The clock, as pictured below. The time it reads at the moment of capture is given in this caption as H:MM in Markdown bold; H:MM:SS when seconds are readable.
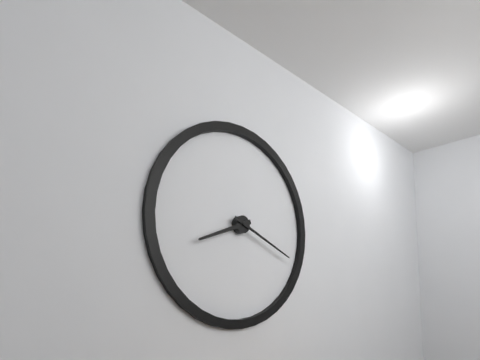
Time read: **8:19**
